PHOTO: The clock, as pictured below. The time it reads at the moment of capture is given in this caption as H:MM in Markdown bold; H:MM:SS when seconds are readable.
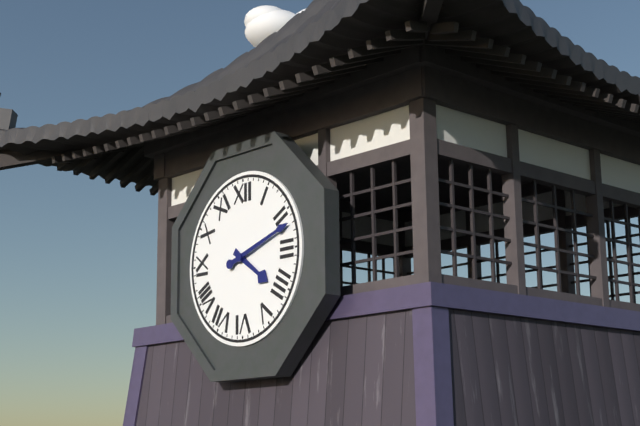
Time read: **4:12**
